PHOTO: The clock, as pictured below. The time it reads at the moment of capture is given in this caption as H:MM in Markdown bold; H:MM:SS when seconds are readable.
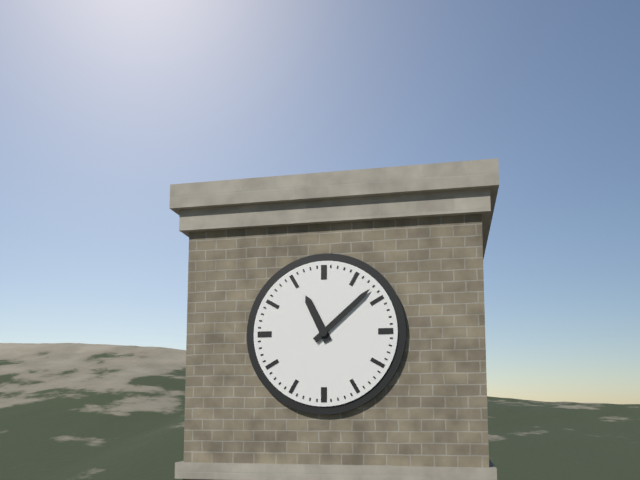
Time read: **11:08**
